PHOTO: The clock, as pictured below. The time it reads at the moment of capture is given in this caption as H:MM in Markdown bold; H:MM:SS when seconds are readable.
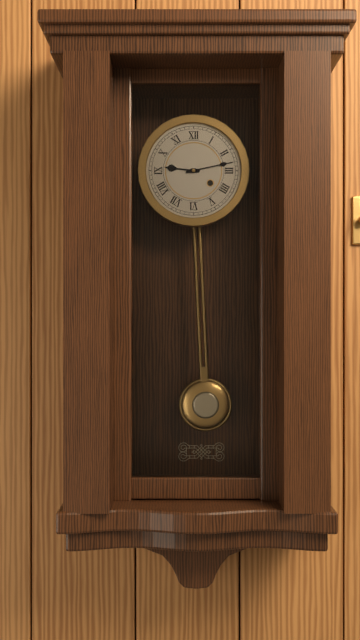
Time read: **9:13**
